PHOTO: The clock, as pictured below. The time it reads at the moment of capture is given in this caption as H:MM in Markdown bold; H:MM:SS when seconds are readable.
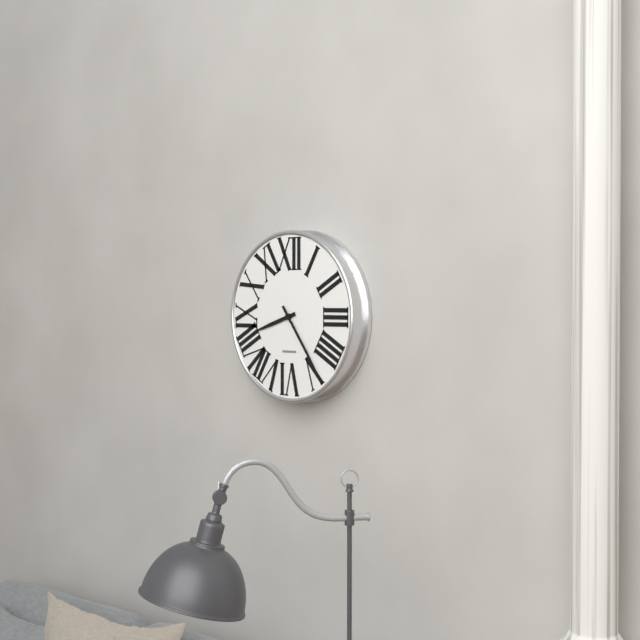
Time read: **8:24**
